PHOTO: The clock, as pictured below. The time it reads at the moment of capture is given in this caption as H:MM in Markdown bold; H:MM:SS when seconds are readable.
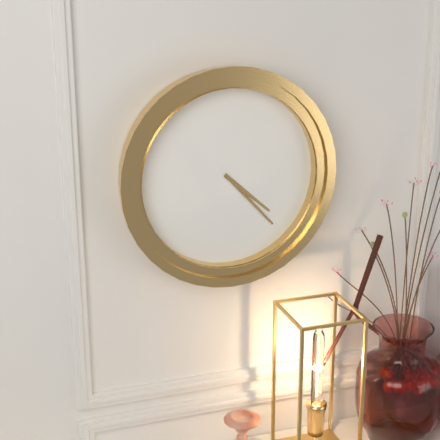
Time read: **4:23**
